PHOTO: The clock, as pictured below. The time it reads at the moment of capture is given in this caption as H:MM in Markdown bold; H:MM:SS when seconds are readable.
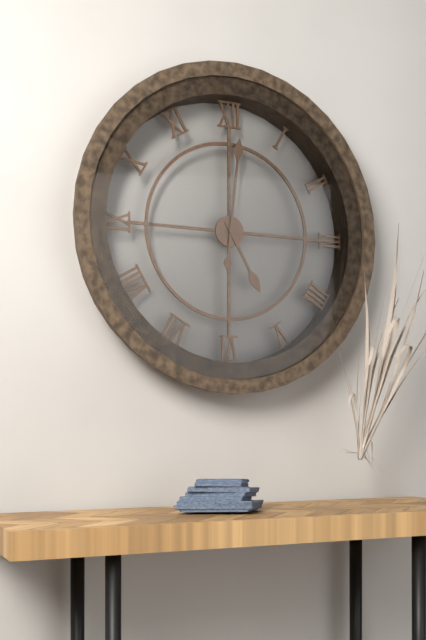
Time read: **5:01**
